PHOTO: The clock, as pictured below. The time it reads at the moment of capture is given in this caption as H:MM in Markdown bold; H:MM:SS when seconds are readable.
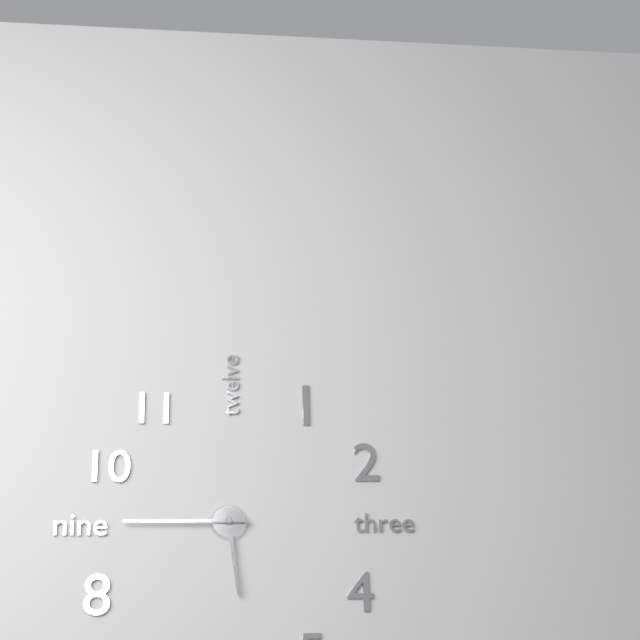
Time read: **5:45**
